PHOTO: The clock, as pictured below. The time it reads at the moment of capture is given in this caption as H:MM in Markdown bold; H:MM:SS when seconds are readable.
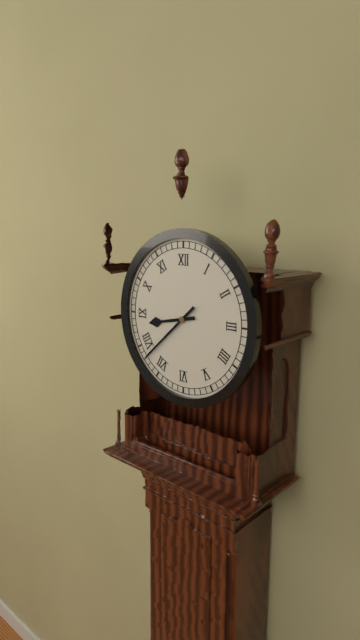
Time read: **8:38**
